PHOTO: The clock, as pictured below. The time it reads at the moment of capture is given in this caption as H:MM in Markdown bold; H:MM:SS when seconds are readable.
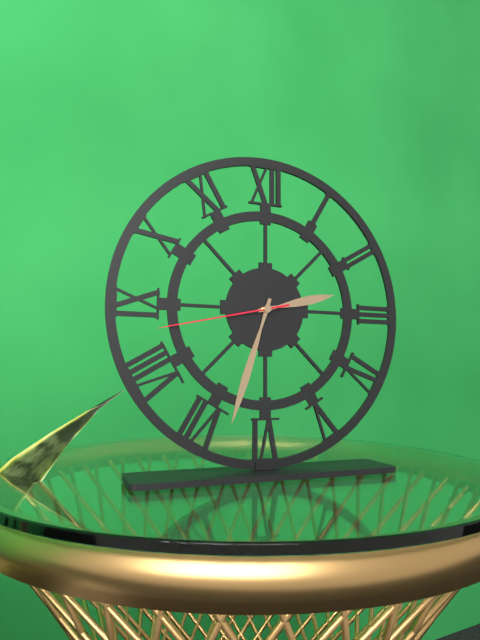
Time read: **2:33:43**
